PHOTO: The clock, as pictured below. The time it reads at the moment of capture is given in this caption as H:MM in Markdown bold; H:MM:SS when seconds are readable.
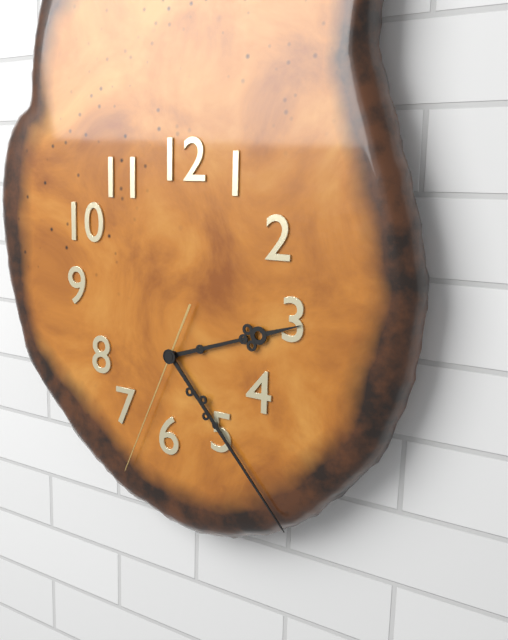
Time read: **2:23:34**
